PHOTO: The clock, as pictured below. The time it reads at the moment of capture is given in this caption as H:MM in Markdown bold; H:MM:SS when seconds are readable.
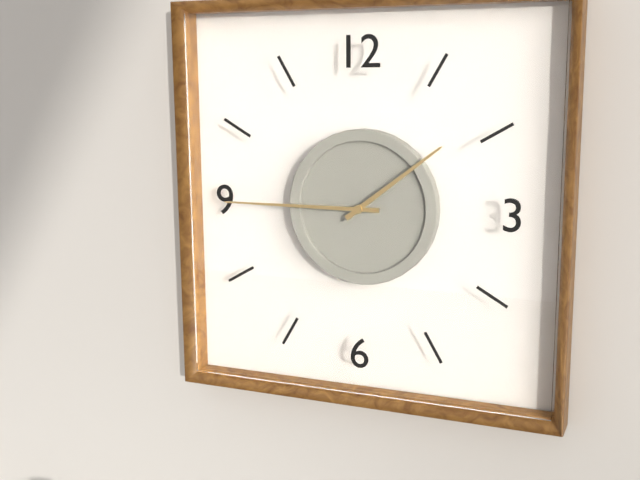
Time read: **1:45**
